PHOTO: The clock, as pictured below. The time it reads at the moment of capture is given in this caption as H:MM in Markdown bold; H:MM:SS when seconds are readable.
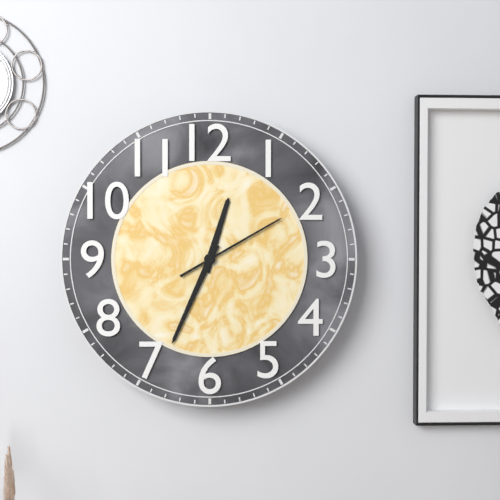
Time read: **12:34:10**
